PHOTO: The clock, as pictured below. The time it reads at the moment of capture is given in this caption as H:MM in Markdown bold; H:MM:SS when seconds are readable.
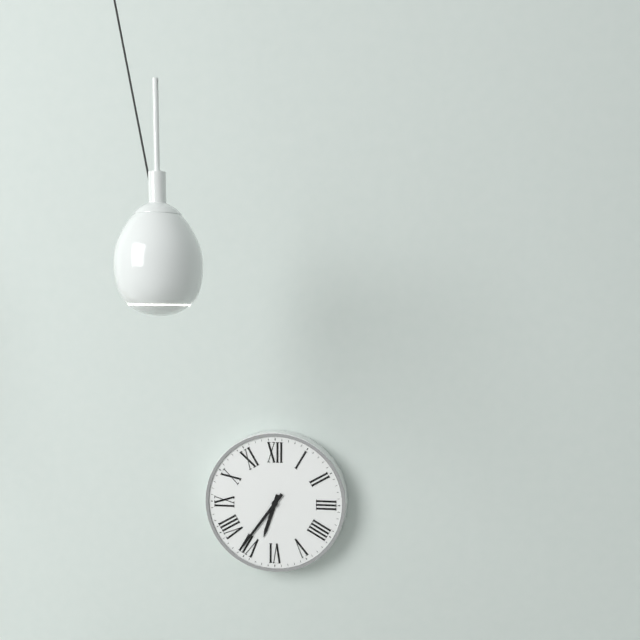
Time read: **6:36**
